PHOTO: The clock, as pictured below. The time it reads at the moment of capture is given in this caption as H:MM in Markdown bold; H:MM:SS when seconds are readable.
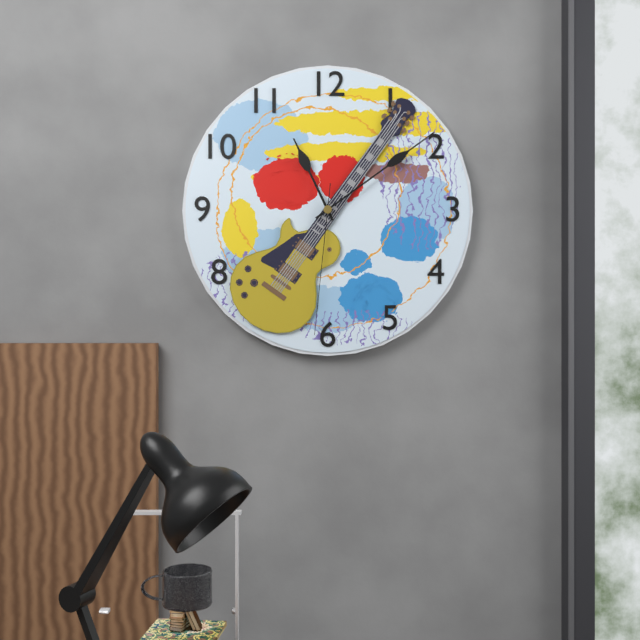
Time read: **11:09:31**
